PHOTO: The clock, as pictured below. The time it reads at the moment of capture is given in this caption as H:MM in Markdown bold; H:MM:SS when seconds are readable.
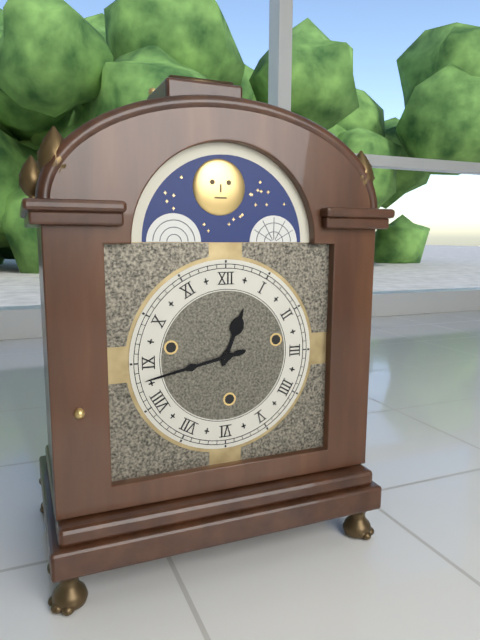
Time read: **12:43**
